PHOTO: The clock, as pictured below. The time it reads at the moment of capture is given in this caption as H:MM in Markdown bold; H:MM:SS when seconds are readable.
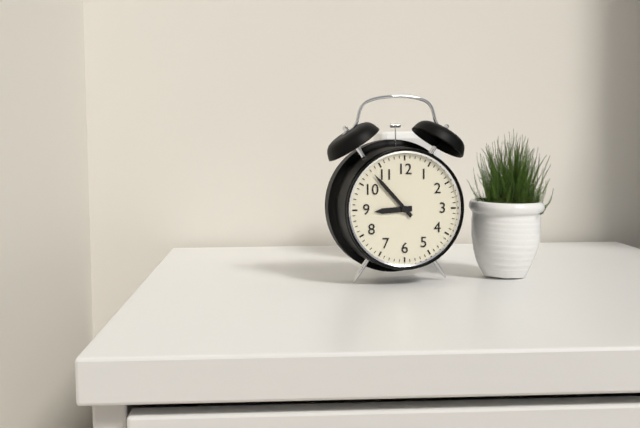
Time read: **8:53**
